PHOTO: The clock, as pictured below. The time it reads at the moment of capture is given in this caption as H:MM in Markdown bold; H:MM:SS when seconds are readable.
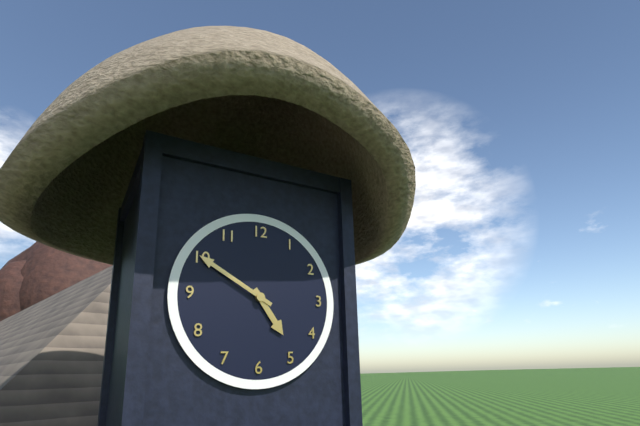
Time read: **4:50**
